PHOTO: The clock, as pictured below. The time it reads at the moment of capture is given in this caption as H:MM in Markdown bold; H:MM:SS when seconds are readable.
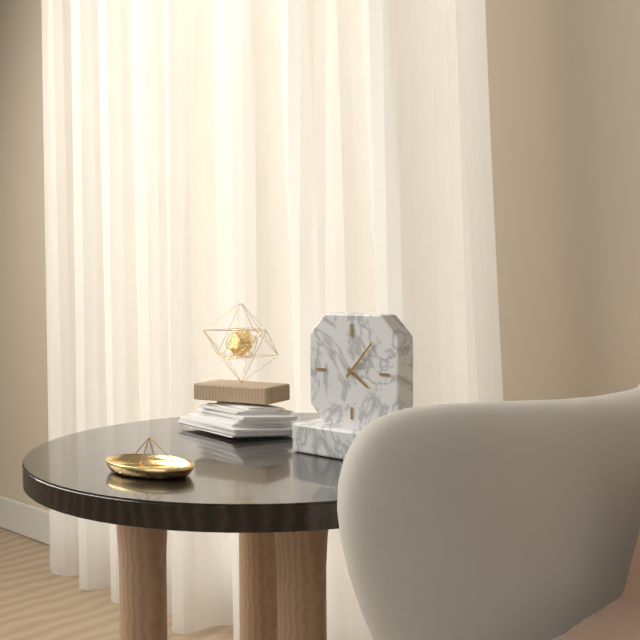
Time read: **4:07**
